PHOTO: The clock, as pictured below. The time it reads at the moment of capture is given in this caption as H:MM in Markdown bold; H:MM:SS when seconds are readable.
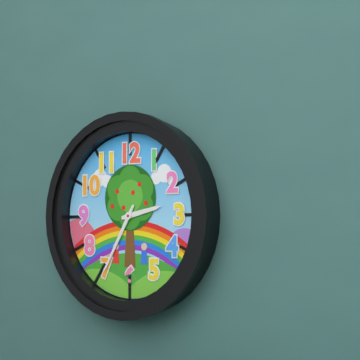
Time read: **2:35**
